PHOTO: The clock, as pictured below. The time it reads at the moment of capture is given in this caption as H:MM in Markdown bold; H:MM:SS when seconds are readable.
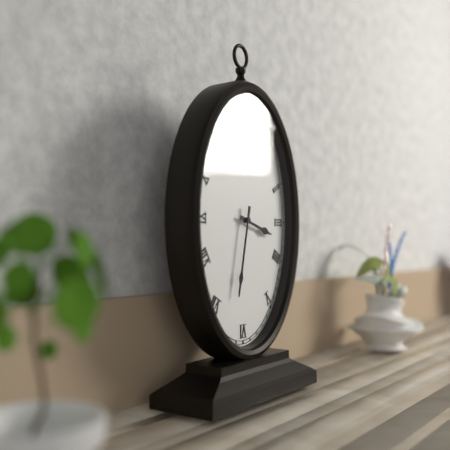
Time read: **3:32**
